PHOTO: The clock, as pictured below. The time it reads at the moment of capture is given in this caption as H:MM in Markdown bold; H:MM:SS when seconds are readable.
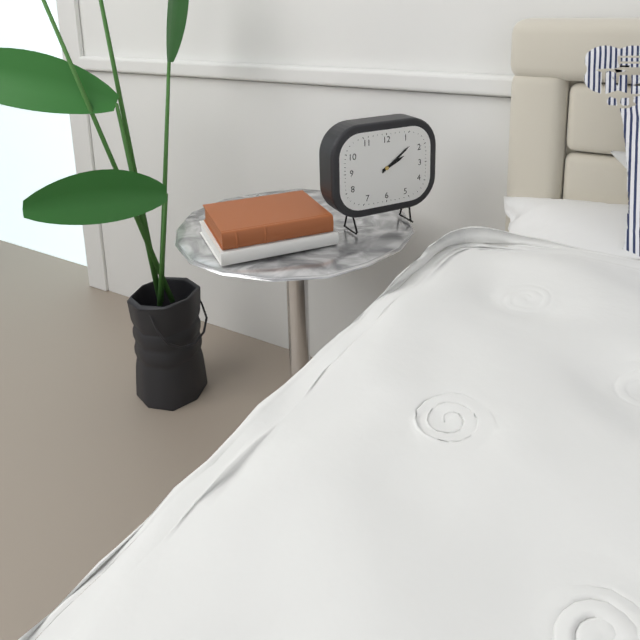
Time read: **2:09**
